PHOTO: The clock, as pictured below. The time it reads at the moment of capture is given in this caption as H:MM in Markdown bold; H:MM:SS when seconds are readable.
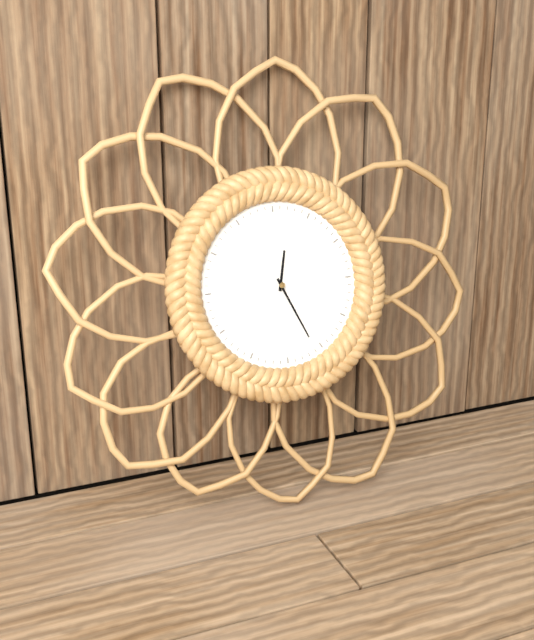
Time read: **12:26**
